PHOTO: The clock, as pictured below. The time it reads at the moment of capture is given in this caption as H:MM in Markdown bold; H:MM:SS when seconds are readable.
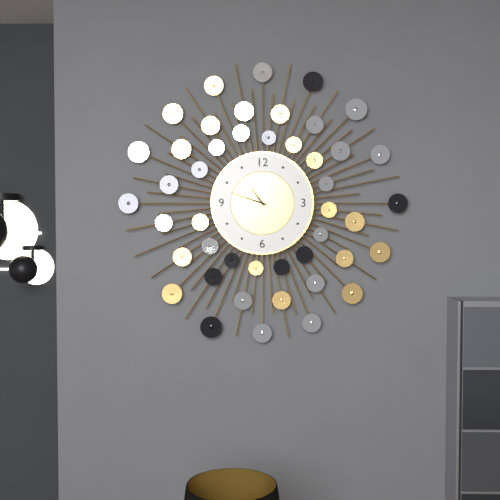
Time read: **10:48**
